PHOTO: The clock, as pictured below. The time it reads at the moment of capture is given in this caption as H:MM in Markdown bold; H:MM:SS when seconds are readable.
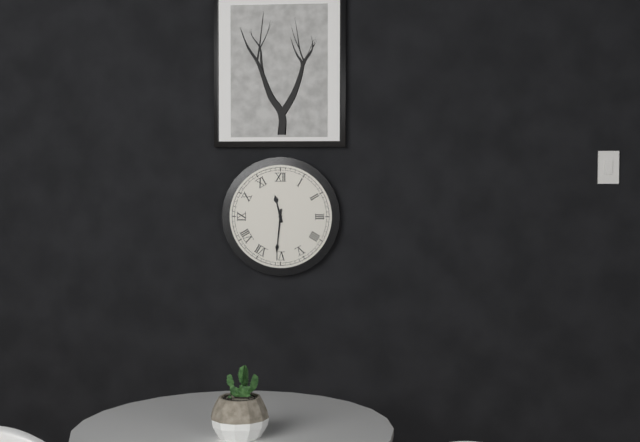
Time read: **11:31**
